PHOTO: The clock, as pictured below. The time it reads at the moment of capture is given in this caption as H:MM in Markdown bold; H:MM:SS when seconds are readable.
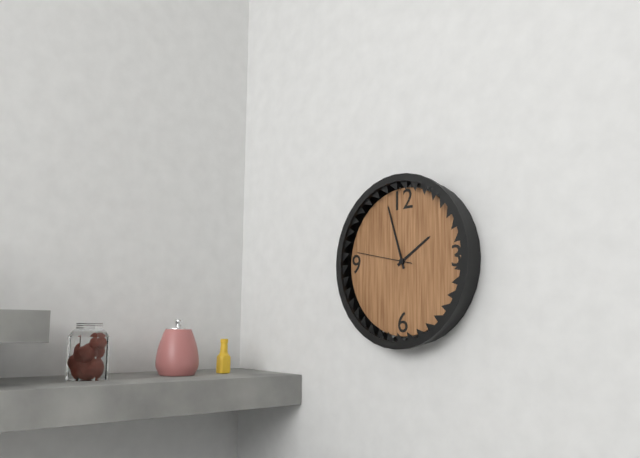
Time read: **1:57:47**
